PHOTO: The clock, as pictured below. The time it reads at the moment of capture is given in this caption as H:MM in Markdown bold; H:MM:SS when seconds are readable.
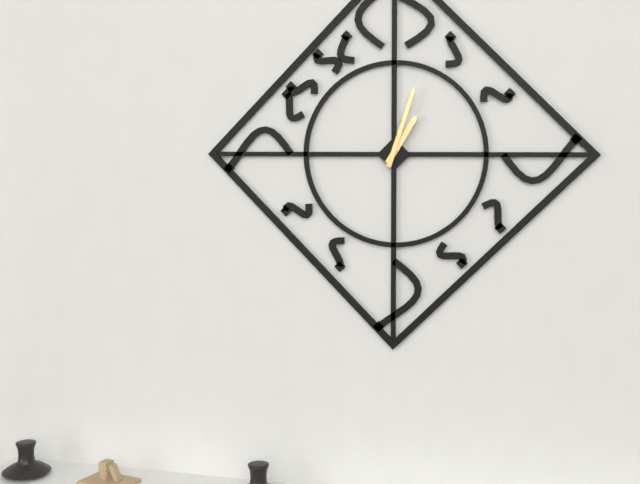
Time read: **1:03**
